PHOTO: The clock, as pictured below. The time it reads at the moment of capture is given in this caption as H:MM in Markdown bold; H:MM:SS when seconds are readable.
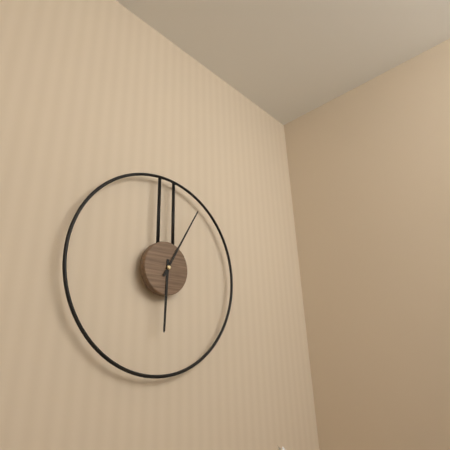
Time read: **6:05**
